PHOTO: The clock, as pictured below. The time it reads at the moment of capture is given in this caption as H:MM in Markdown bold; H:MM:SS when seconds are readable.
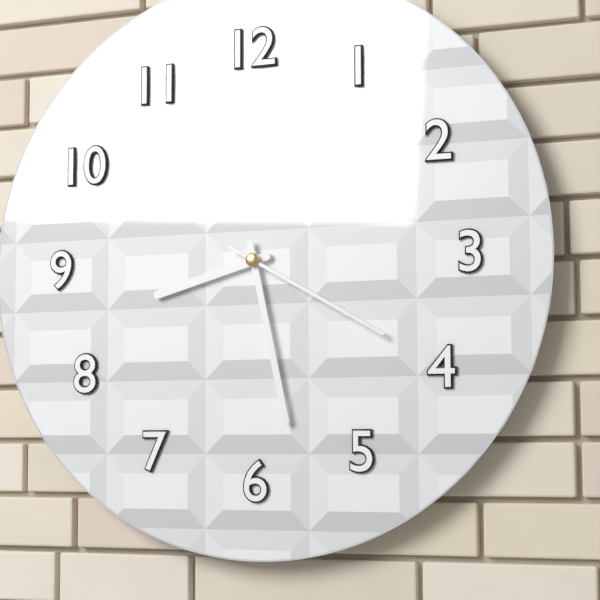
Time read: **8:28:20**
